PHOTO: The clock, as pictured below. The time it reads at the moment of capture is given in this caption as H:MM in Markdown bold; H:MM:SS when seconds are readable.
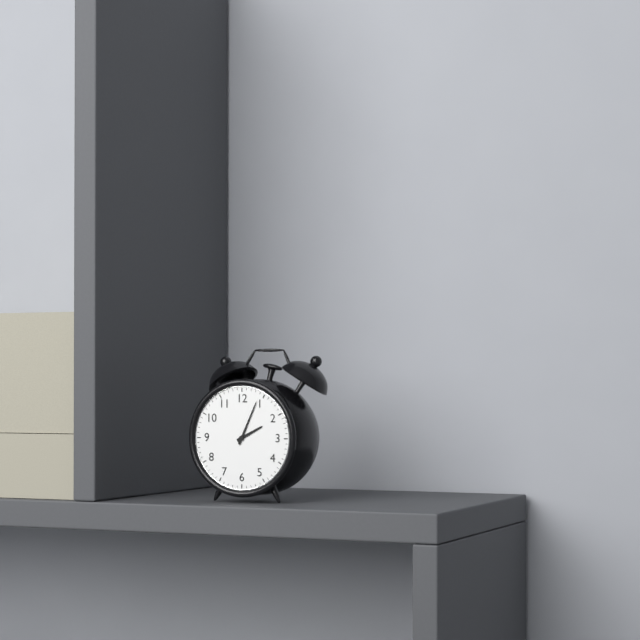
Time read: **2:04**
